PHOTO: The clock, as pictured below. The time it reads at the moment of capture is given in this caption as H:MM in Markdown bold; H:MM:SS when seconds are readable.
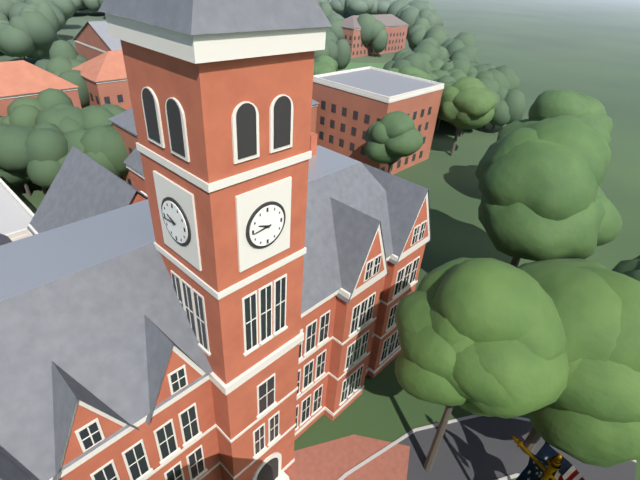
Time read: **9:44**
